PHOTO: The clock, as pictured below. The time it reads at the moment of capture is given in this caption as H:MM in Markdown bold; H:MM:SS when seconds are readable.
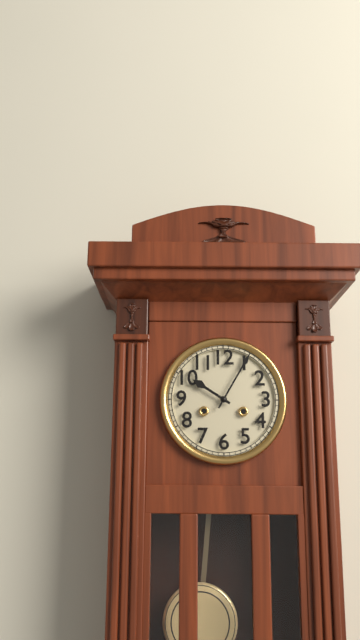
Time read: **10:05**
